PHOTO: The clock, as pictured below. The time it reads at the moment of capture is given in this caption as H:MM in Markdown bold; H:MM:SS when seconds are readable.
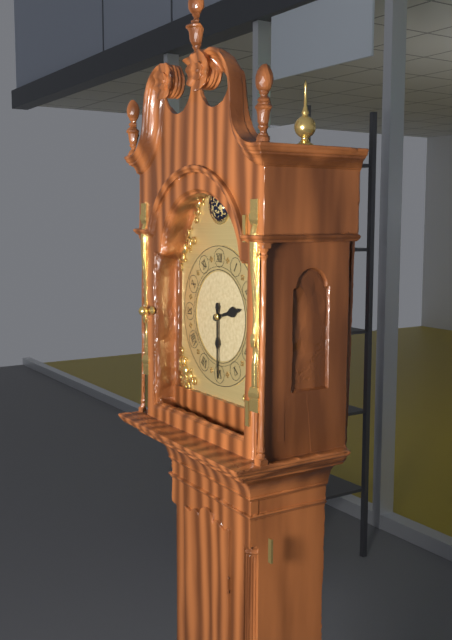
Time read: **2:30**
